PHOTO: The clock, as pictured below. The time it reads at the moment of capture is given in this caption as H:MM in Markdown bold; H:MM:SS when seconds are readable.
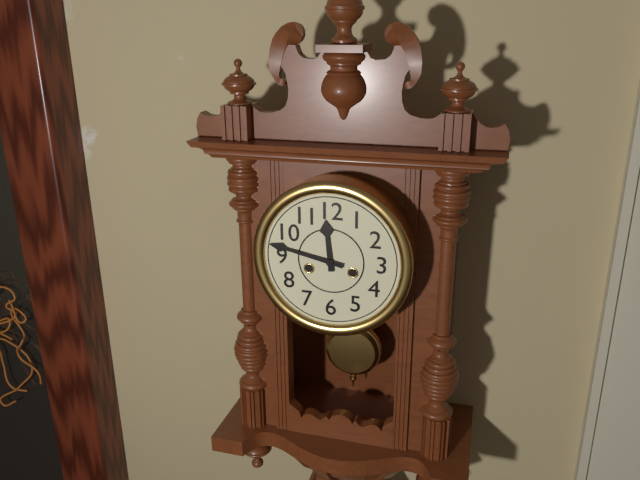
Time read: **11:47**
